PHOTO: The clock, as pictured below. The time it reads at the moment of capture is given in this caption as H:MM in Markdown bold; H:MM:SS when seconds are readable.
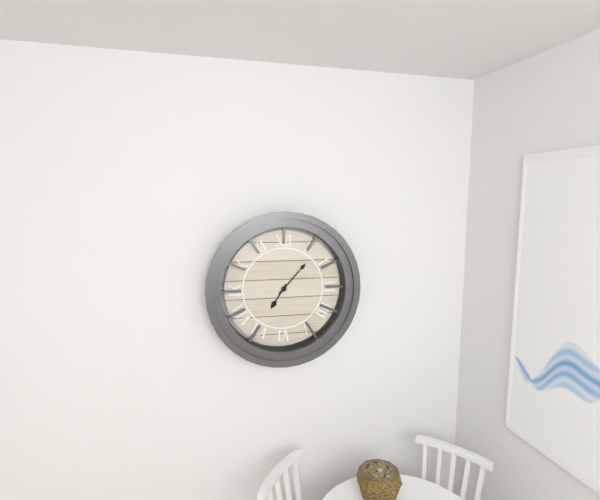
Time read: **7:07**
